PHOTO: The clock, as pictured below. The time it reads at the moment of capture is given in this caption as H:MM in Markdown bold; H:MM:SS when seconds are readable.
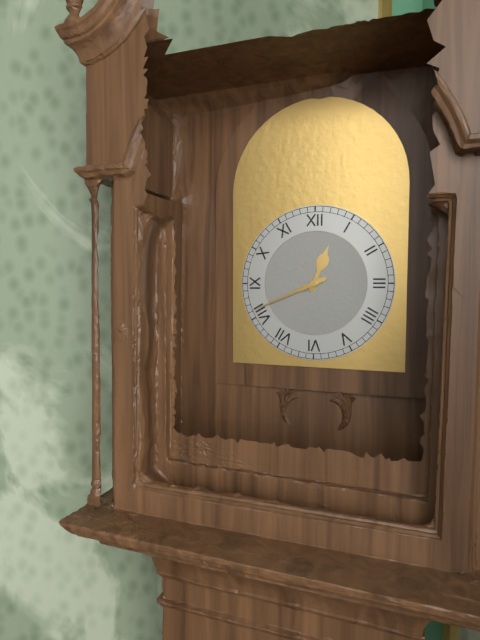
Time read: **12:41**
